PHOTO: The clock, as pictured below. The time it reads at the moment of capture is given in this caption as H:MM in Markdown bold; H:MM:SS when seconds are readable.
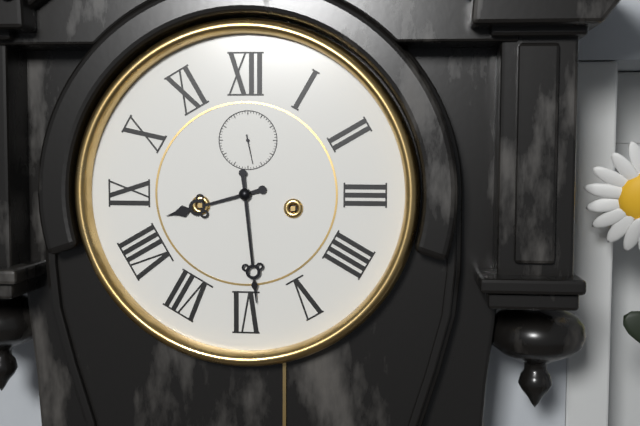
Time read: **8:29**
